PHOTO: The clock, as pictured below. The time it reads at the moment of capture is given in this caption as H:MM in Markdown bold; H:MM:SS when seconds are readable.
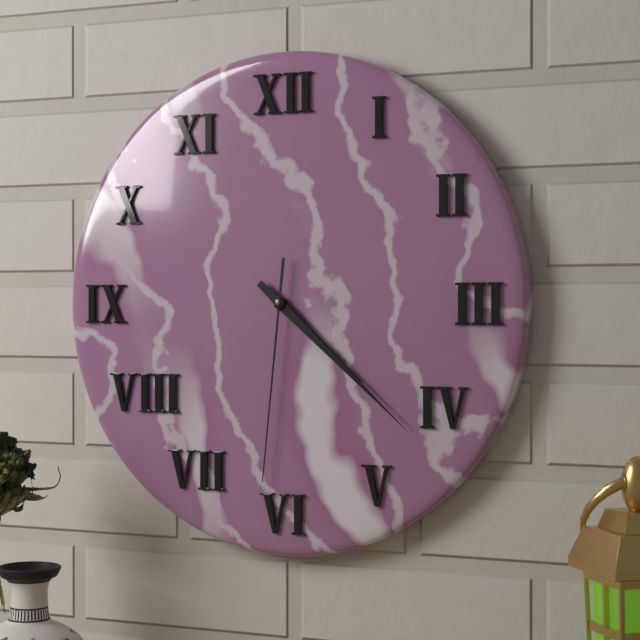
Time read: **4:22:31**
